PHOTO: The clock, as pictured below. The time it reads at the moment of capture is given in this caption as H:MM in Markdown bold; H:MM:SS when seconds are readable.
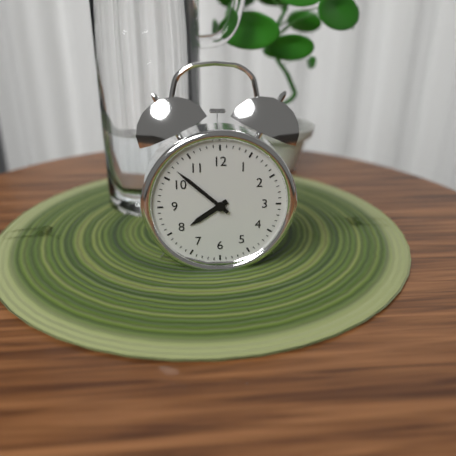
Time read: **7:52**
